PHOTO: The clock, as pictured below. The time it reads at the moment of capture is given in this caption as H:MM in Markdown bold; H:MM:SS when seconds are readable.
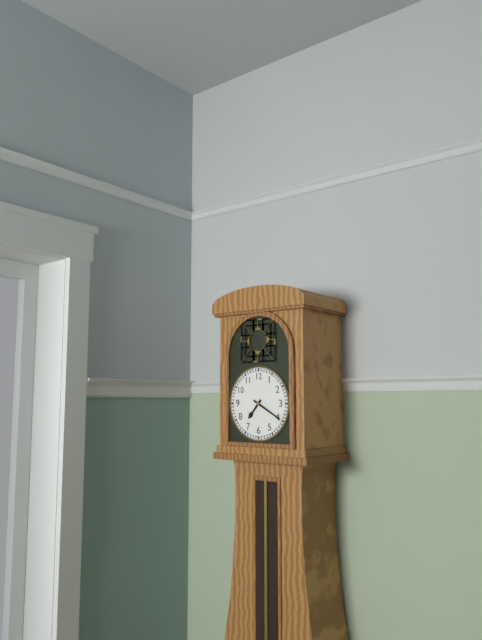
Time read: **7:20**
